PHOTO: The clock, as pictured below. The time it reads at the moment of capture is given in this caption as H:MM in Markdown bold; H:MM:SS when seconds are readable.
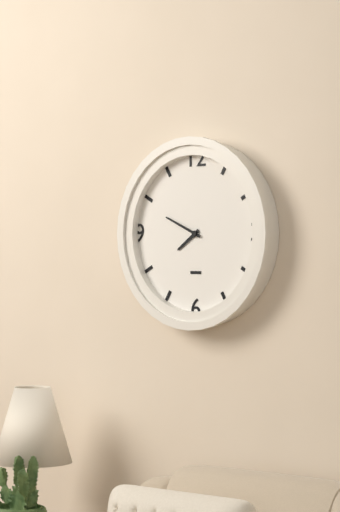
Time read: **7:49**
